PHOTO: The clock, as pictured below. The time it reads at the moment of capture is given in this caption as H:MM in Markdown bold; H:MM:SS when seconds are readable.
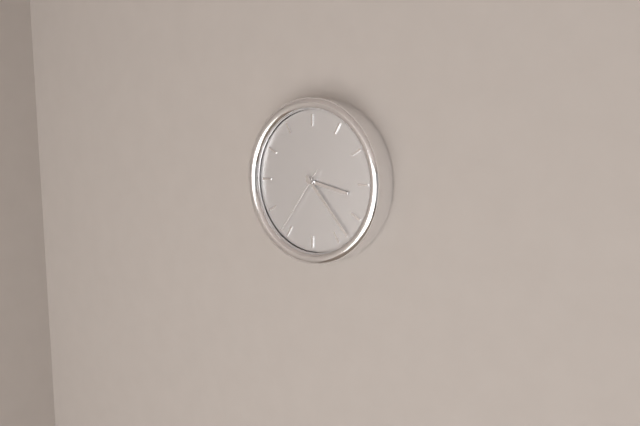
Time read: **3:23:36**
